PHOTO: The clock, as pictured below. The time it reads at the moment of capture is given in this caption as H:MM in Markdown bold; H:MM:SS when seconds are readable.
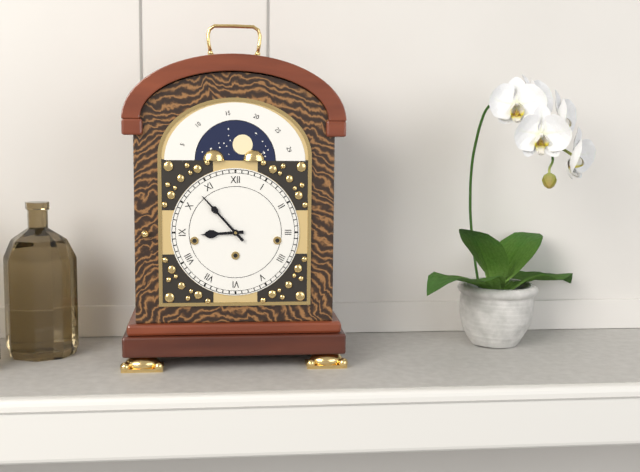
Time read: **8:53**
